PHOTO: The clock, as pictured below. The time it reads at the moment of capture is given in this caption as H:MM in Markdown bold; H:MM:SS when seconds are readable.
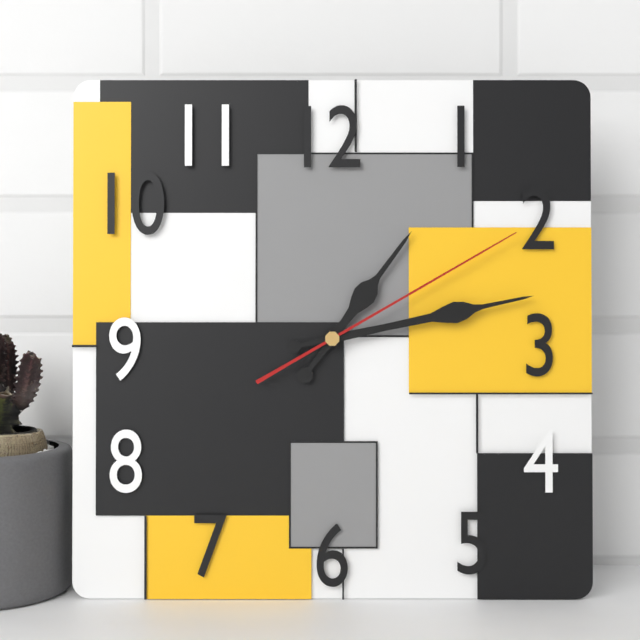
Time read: **1:13:10**
